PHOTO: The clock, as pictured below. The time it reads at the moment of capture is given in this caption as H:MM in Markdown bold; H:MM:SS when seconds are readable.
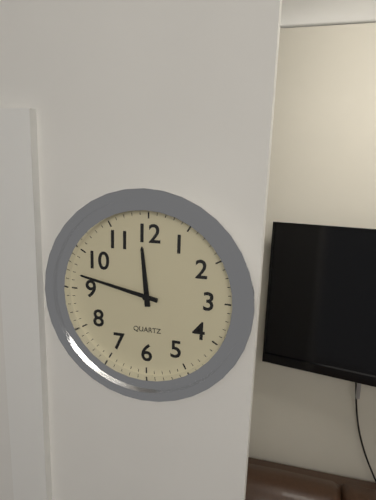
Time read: **11:47**
